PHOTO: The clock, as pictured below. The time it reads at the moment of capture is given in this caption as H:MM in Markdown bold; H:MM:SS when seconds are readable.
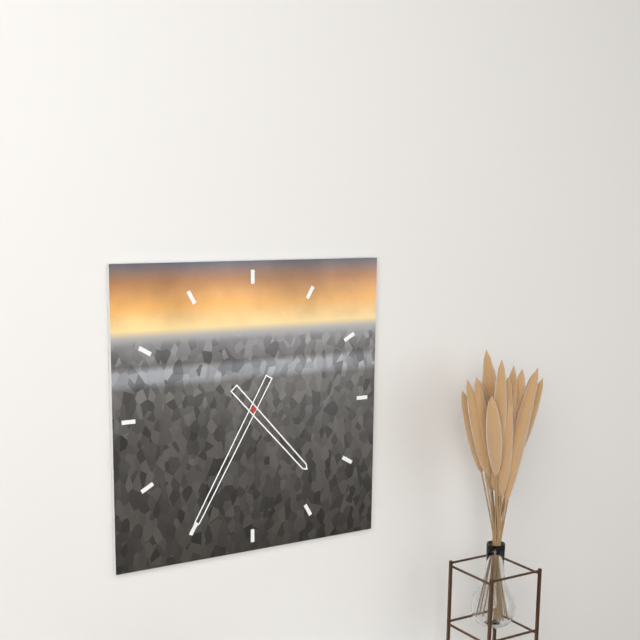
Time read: **4:35**
